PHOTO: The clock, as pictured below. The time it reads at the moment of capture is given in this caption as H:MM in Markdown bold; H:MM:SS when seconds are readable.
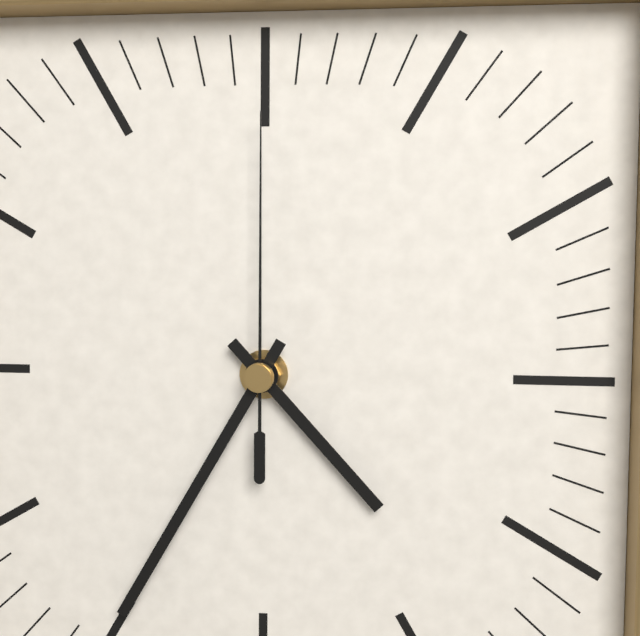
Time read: **4:35:00**
